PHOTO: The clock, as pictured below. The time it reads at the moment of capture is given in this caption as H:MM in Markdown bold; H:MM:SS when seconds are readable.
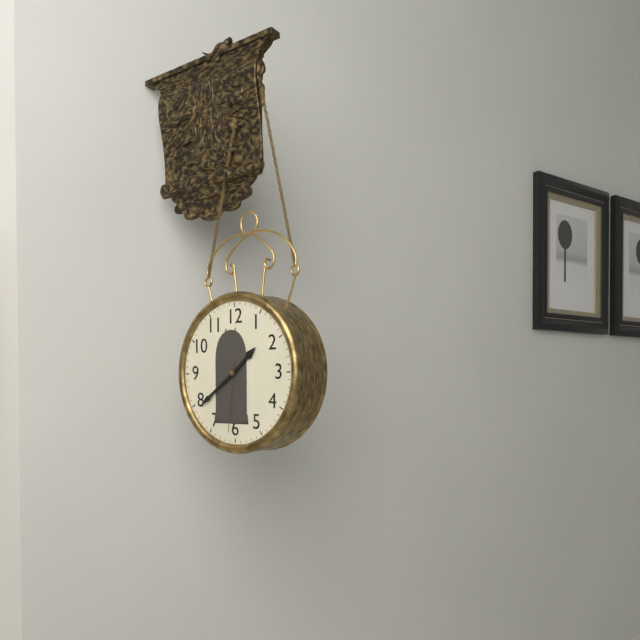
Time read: **1:39:31**
